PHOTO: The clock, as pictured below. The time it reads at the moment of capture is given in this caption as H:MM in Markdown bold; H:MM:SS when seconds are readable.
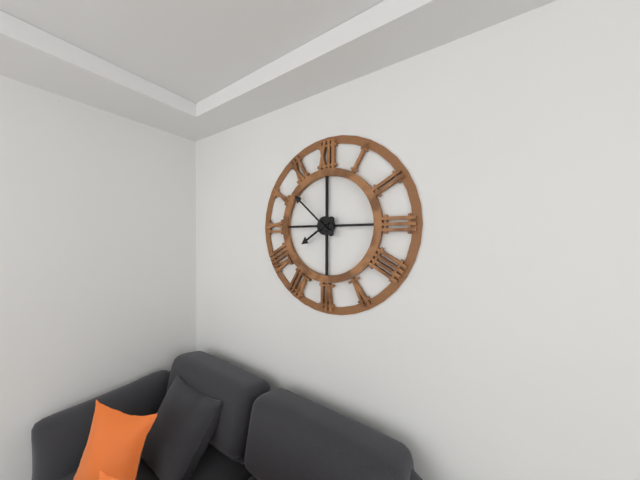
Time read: **7:52**
